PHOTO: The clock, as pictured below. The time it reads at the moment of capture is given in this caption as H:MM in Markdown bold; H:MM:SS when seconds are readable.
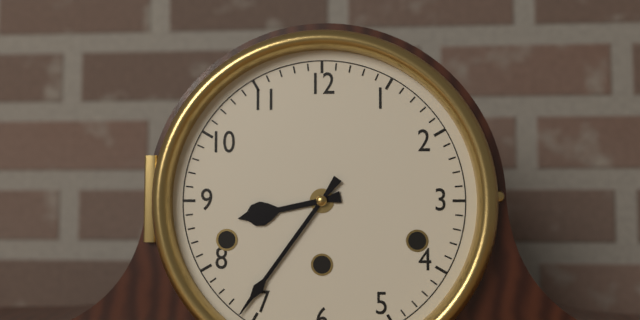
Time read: **8:36**
